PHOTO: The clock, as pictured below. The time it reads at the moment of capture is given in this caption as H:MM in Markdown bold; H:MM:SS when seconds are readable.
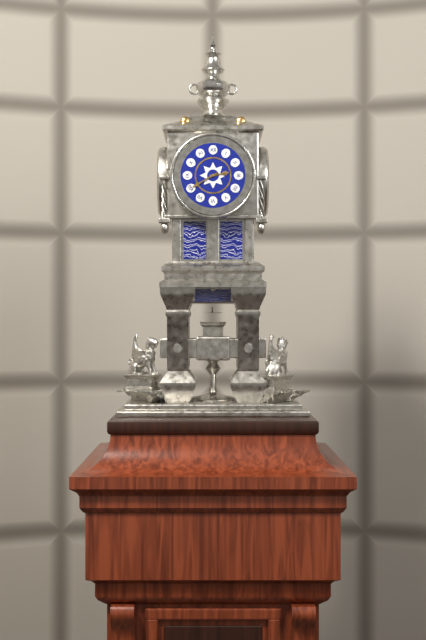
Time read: **2:40**
